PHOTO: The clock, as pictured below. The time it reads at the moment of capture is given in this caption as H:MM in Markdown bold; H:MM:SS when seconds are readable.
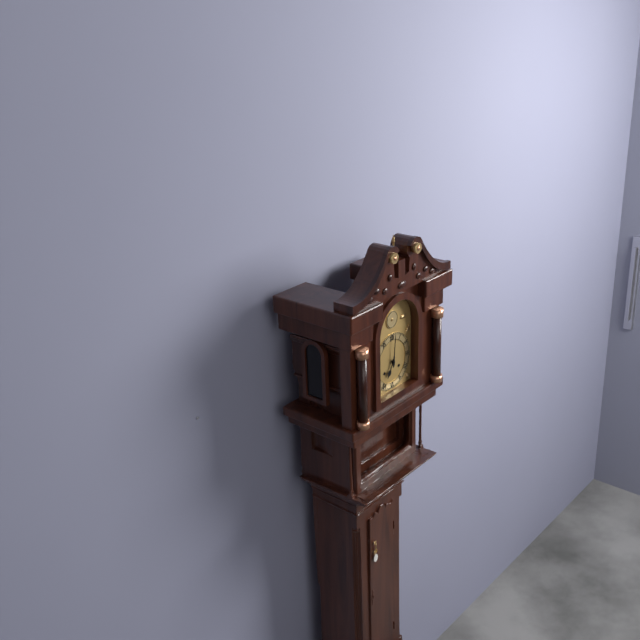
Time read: **7:01**
